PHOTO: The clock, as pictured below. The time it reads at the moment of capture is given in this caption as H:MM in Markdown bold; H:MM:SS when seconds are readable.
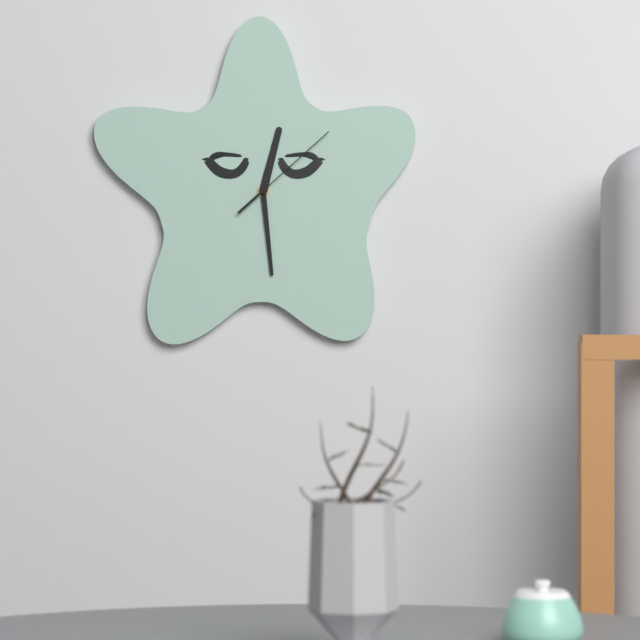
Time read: **12:29:08**
